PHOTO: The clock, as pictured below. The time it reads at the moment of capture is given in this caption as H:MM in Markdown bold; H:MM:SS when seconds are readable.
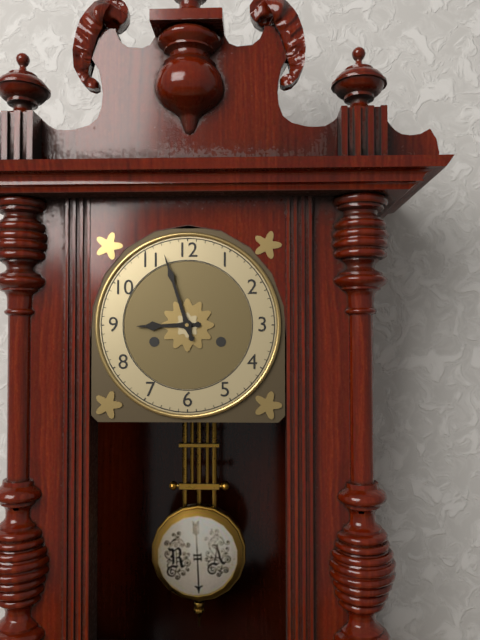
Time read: **8:57**
